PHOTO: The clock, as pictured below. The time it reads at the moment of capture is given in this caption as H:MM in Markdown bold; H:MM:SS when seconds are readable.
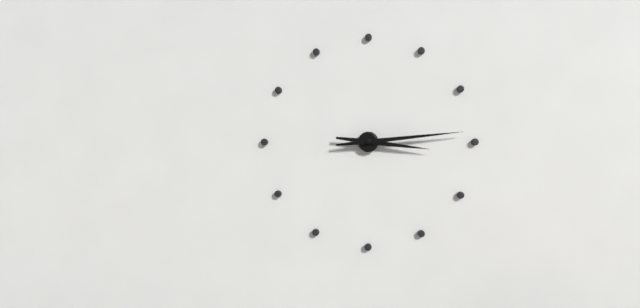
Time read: **3:14**
